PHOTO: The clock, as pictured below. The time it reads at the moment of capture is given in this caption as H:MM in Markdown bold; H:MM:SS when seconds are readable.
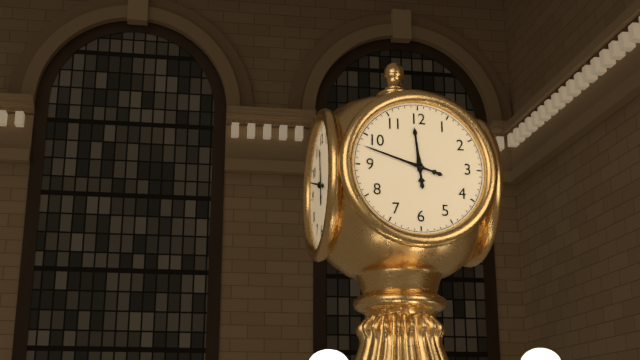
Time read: **11:48**
